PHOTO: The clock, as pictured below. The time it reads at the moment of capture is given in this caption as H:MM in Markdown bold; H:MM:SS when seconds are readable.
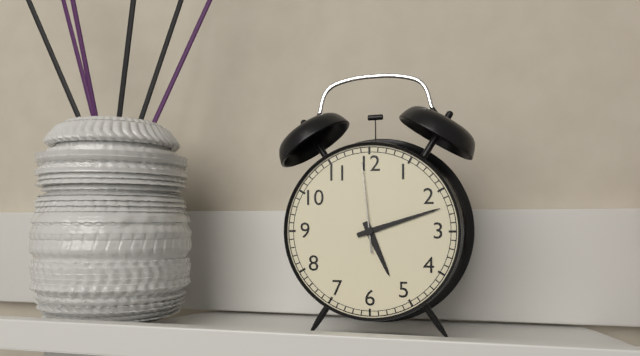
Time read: **5:12:59**
